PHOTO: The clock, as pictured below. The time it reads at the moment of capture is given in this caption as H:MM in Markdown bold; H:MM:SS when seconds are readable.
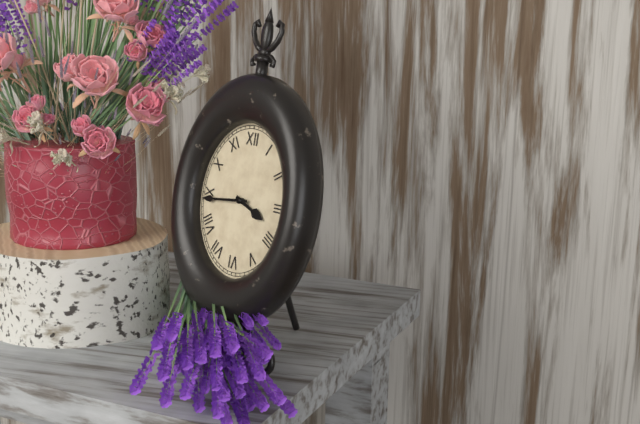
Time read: **3:44**
